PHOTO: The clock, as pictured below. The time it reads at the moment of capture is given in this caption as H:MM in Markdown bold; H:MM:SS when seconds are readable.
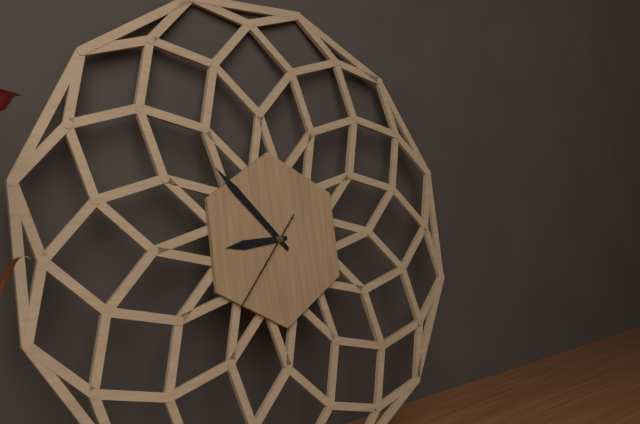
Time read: **8:53:37**
